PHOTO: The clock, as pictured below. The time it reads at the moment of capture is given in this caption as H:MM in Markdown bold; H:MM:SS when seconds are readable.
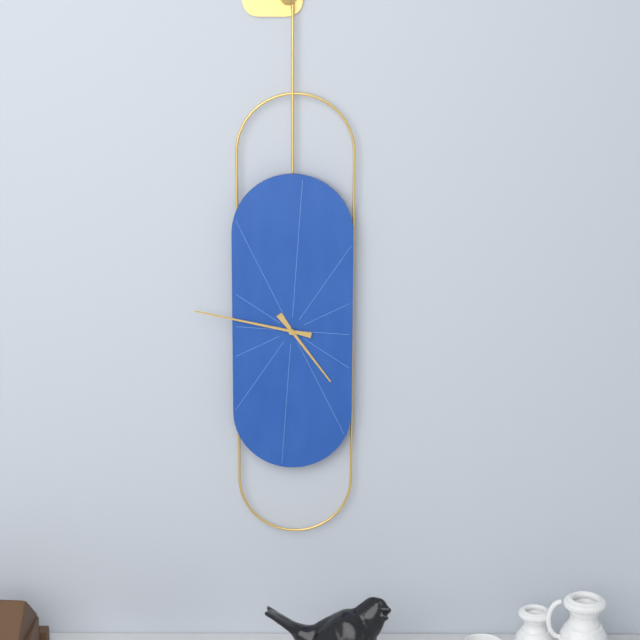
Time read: **4:47**
